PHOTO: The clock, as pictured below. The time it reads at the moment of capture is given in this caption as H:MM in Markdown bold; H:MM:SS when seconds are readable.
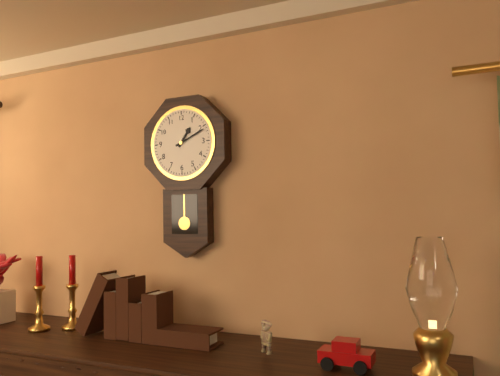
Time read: **1:11**
